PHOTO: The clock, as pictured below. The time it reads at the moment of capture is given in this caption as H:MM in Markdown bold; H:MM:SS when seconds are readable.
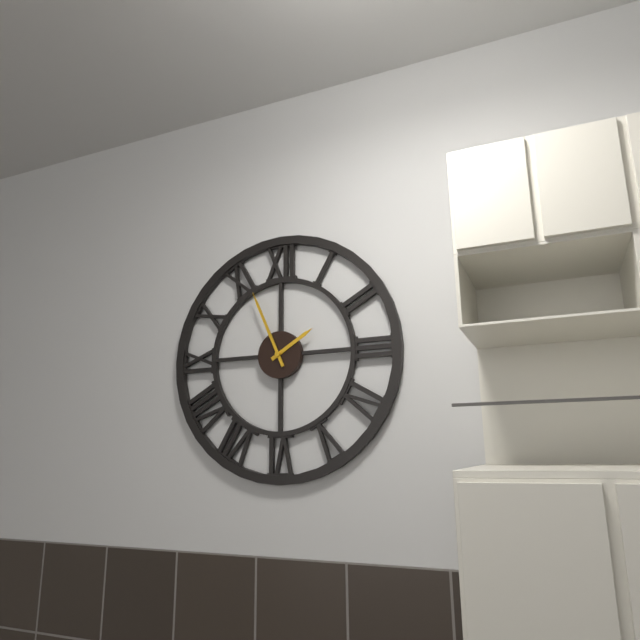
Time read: **1:56**
